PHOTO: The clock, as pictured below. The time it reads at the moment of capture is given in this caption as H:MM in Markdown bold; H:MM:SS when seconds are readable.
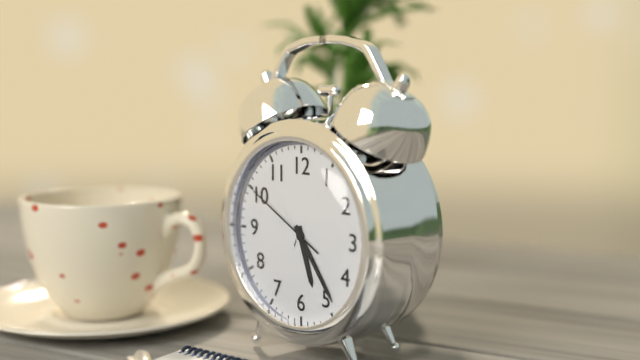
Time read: **5:24:50**
